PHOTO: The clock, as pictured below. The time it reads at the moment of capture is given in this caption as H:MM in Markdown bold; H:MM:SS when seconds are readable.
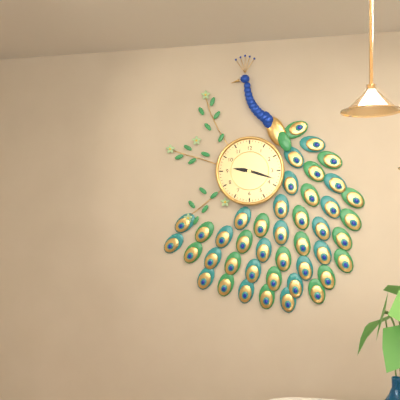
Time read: **9:18**
